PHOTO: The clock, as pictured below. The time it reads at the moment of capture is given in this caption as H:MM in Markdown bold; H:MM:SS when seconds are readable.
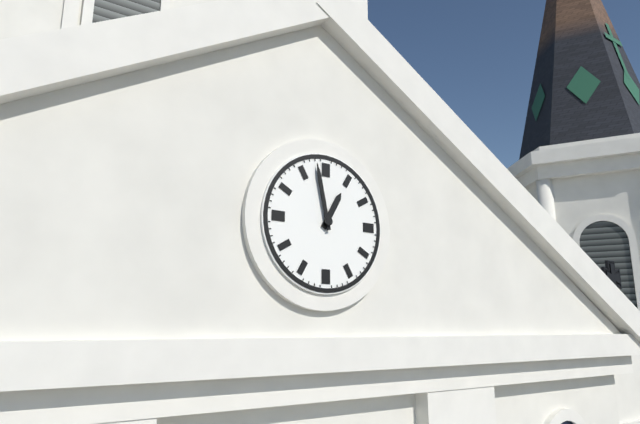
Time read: **12:58**
